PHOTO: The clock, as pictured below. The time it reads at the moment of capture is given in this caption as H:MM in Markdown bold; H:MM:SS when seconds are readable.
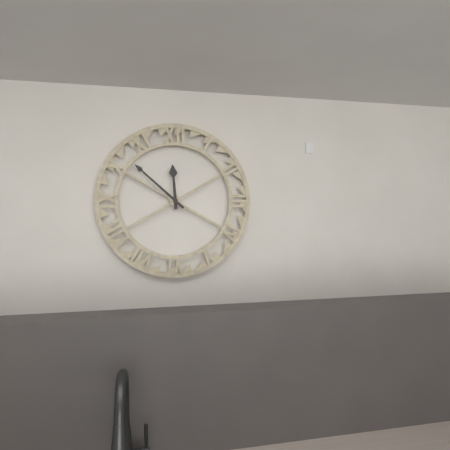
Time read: **11:52**
